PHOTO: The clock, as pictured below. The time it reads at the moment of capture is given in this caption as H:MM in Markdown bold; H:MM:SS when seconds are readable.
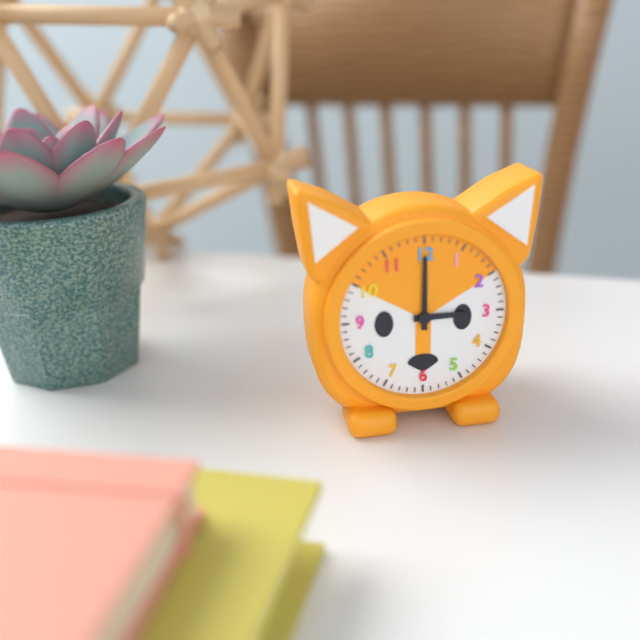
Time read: **3:00**
